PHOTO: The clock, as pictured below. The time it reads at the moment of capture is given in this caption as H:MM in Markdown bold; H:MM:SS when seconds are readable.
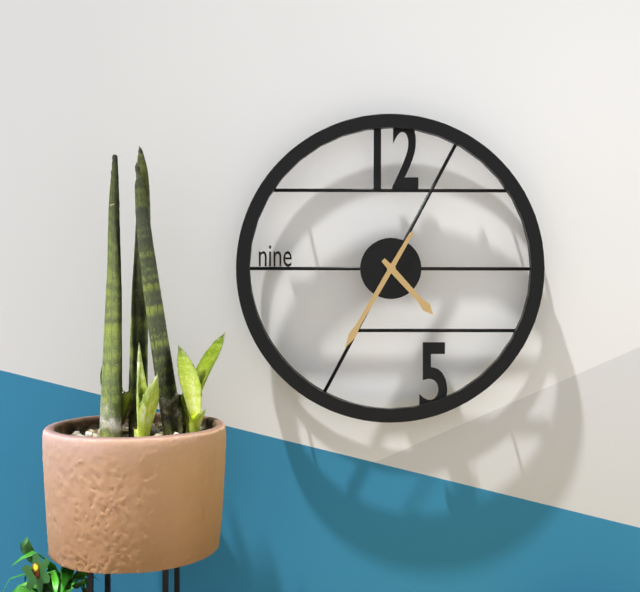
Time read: **4:35**
